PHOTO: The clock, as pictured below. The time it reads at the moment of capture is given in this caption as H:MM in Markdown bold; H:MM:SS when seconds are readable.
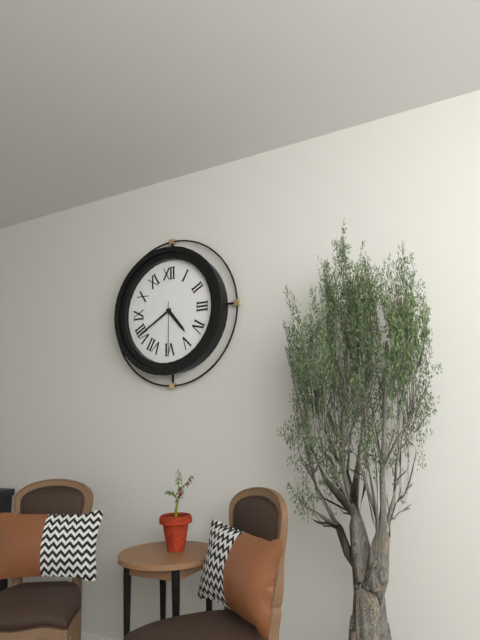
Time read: **4:40:30**
